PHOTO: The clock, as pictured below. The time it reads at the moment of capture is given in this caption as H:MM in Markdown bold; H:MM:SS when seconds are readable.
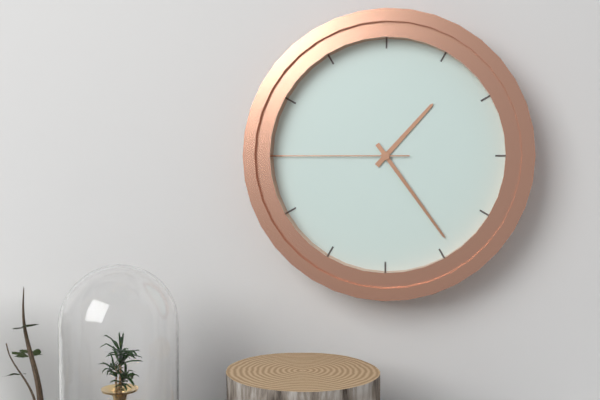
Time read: **1:24:45**
